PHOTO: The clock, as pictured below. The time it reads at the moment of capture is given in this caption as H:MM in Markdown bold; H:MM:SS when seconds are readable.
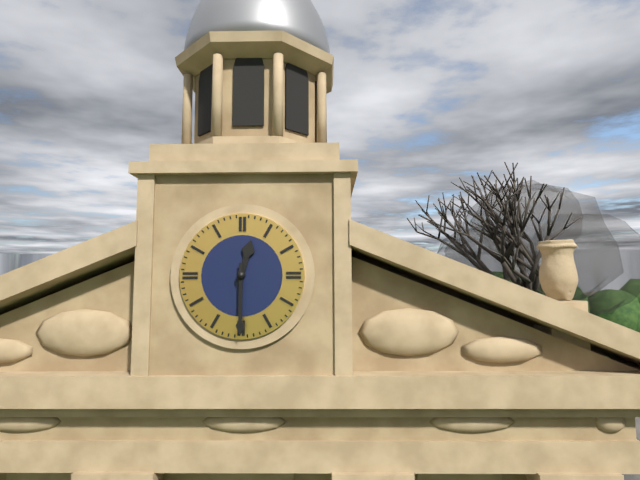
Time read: **12:30**
